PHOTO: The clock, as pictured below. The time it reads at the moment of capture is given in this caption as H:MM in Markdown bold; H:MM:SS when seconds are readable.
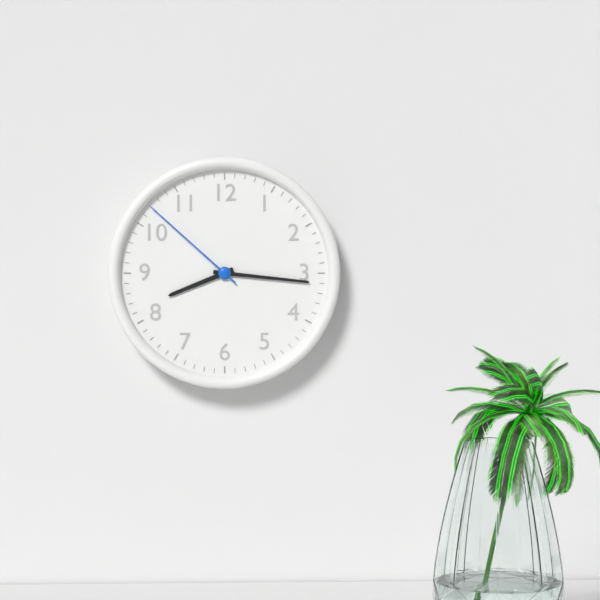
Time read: **8:16:52**
